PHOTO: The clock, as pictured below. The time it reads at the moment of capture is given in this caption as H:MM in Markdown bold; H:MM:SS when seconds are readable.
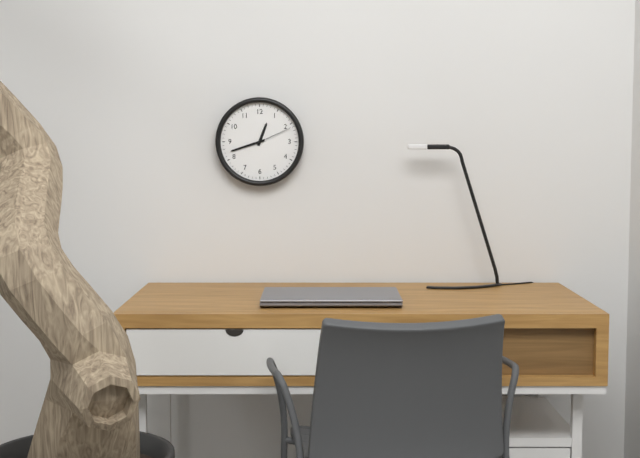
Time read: **12:42**
